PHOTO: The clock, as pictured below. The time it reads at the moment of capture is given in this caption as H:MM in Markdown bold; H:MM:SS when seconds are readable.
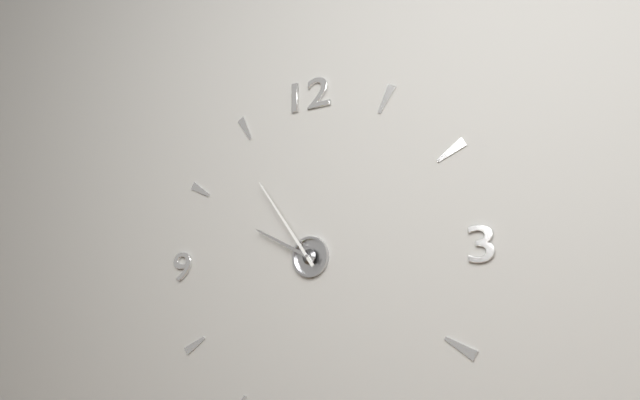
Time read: **9:54**
